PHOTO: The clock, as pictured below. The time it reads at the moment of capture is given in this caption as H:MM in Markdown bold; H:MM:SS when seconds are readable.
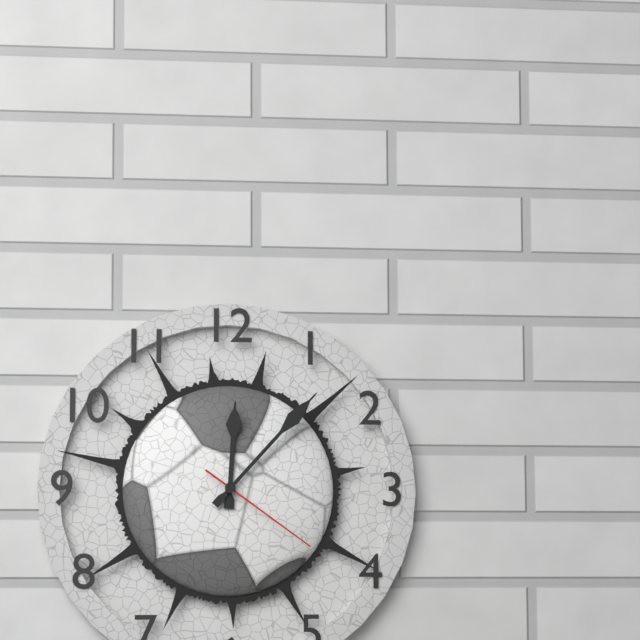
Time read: **12:07:21**
